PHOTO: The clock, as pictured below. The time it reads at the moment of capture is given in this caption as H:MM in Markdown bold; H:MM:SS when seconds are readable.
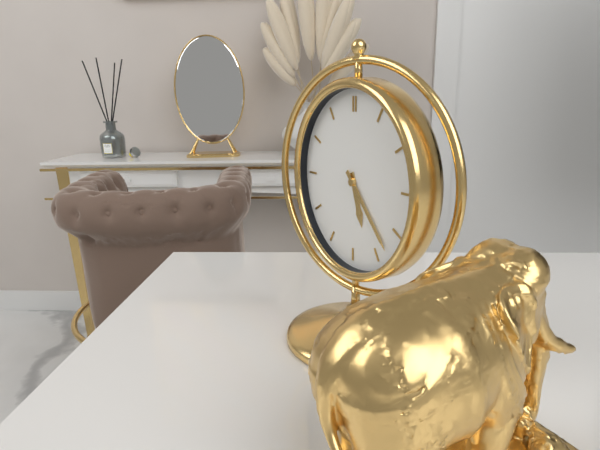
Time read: **5:23**
